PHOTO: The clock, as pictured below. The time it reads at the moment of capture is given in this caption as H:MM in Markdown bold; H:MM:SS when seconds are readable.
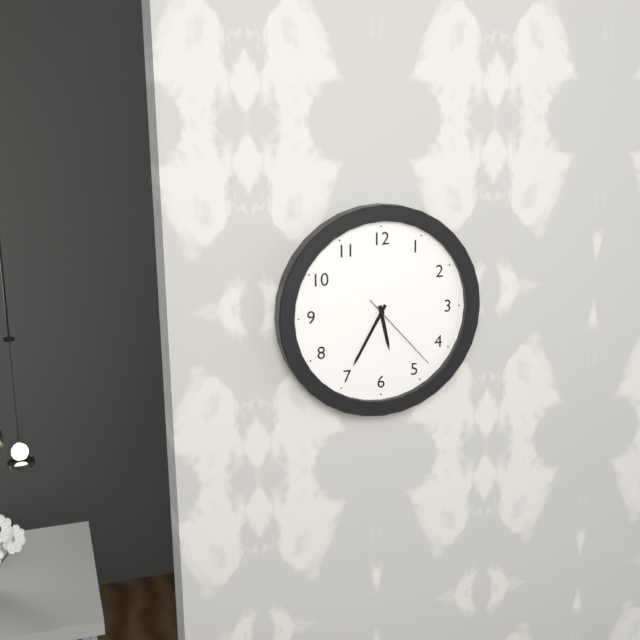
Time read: **5:35:23**
